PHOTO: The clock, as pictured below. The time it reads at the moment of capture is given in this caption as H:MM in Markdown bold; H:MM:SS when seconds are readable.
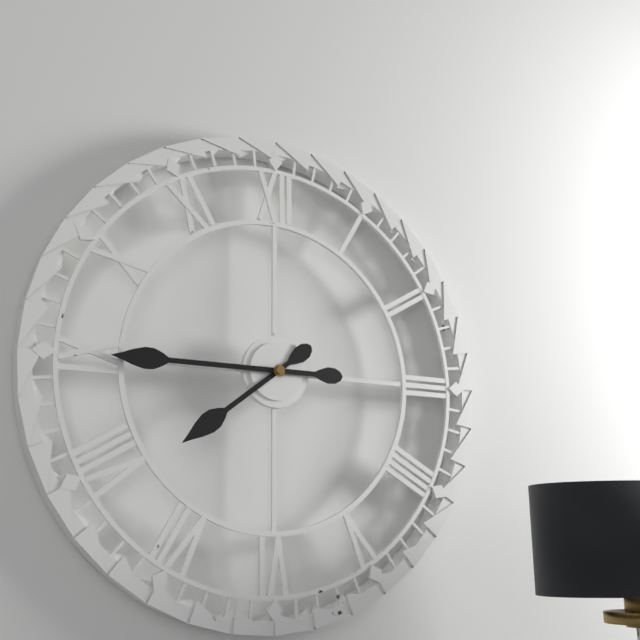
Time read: **7:45**
